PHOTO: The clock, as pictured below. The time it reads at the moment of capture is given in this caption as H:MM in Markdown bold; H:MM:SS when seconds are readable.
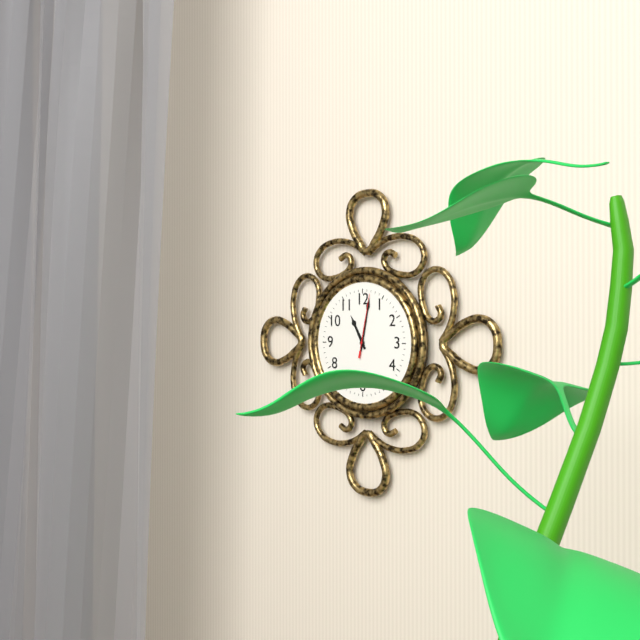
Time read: **11:02:02**
